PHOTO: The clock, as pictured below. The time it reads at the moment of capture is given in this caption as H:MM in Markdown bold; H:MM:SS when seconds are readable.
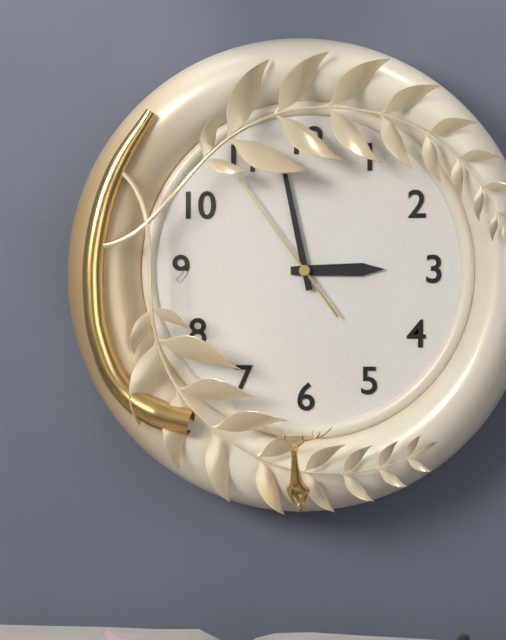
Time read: **2:58:54**
